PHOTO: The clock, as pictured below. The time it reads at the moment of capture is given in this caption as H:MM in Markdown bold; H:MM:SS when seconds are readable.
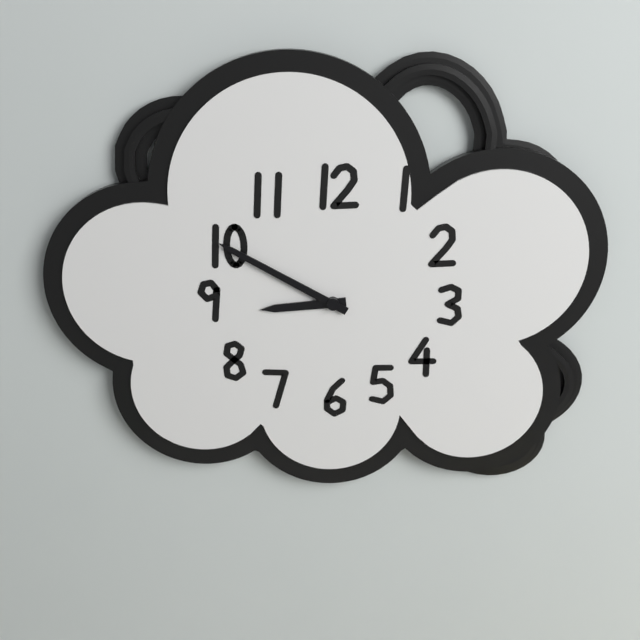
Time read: **8:50**
